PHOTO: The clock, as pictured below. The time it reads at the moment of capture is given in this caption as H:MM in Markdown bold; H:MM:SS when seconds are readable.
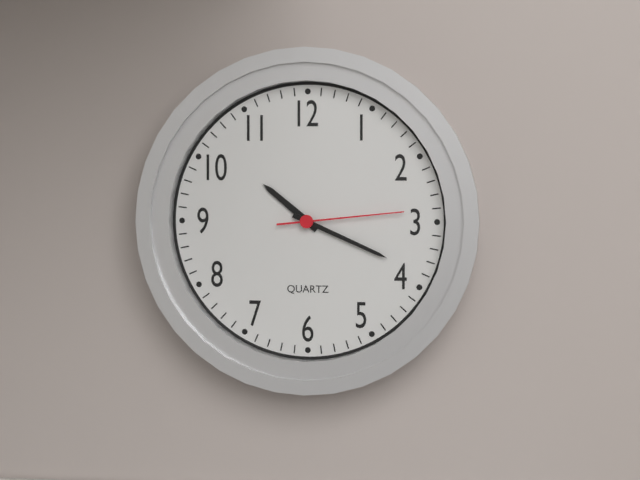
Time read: **10:19:14**
